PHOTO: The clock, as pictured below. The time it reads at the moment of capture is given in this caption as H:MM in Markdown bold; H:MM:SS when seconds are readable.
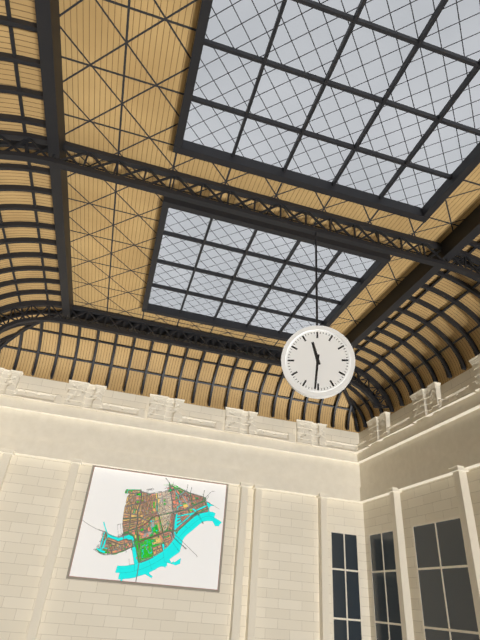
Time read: **11:31**
